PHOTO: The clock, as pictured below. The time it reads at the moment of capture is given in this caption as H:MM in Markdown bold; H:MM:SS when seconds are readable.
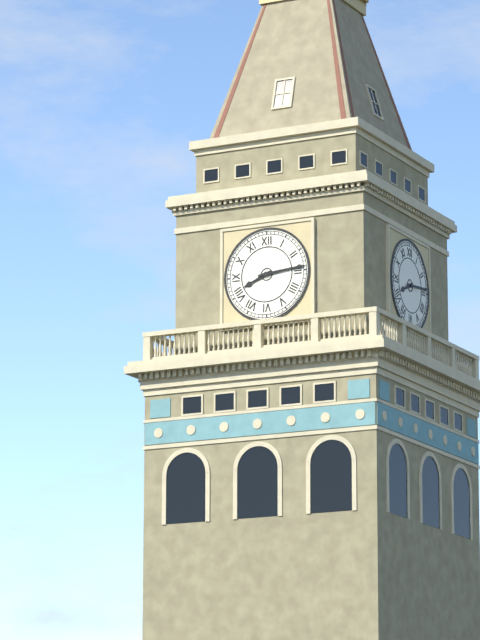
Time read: **8:14**
